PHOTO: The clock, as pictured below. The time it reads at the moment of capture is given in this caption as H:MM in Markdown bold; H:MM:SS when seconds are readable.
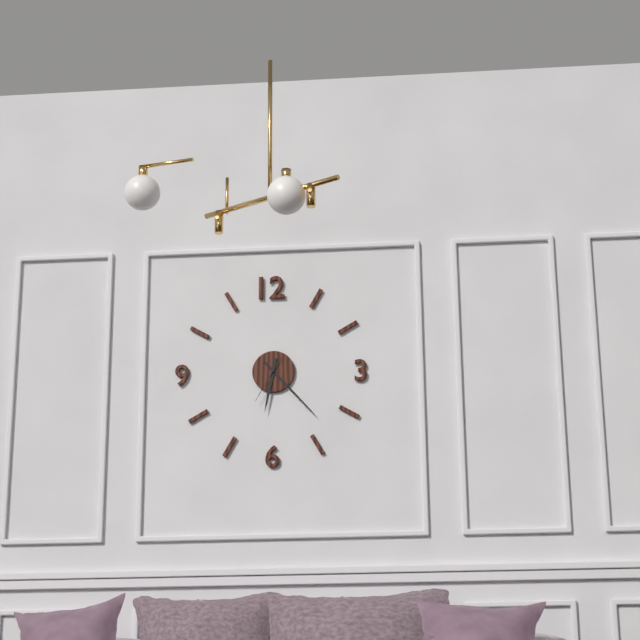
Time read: **6:23**
